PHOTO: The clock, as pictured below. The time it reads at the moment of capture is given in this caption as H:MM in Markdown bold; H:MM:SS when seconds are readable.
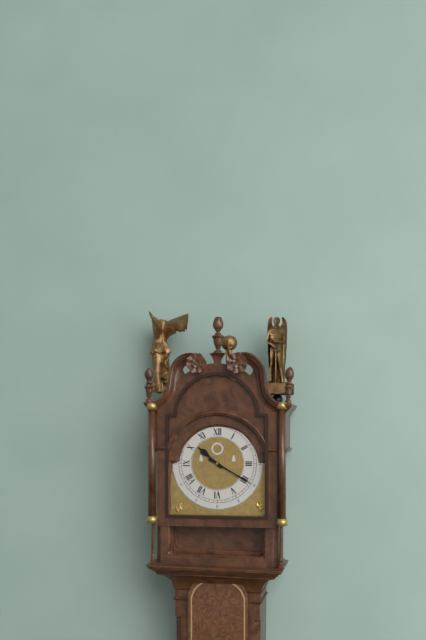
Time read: **10:20**
